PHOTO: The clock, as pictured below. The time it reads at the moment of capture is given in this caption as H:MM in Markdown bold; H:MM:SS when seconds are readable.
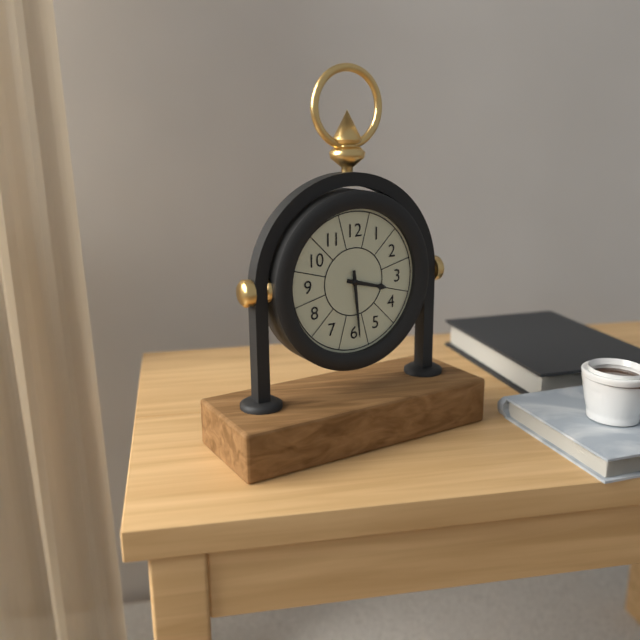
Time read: **3:29**
